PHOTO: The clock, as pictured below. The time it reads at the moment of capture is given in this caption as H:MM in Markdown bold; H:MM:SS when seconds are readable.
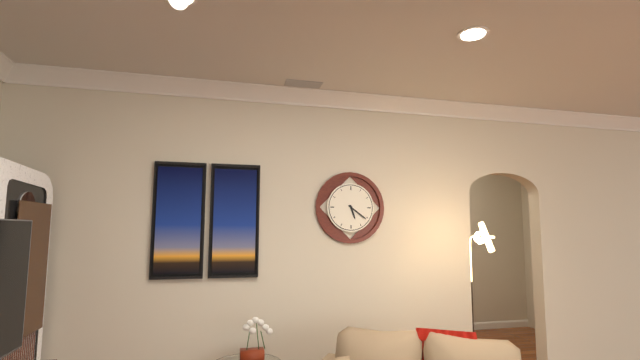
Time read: **5:21**
